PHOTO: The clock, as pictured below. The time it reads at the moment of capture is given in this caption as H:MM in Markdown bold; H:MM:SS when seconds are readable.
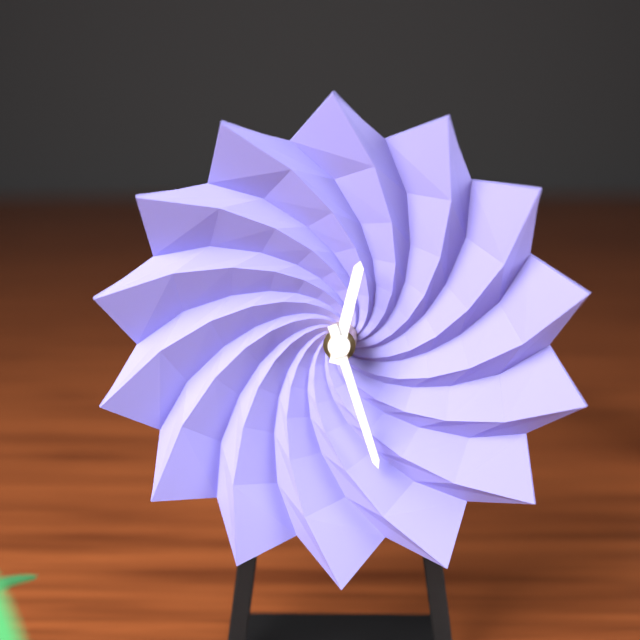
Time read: **12:27**
